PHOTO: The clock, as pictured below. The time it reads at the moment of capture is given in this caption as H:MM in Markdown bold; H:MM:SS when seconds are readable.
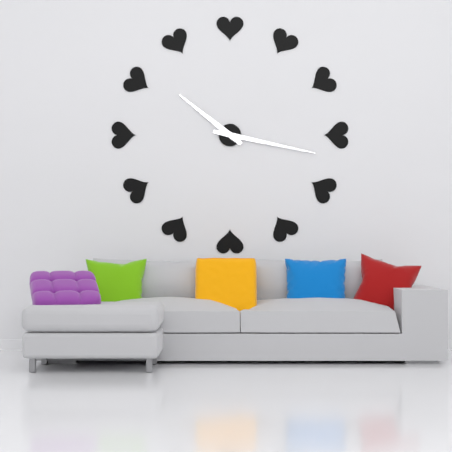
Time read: **10:17**
